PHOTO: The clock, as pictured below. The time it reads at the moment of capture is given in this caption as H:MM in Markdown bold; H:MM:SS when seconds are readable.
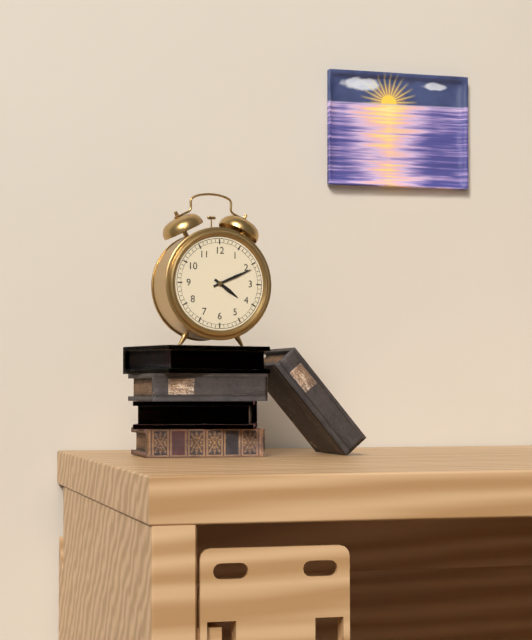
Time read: **4:11**
